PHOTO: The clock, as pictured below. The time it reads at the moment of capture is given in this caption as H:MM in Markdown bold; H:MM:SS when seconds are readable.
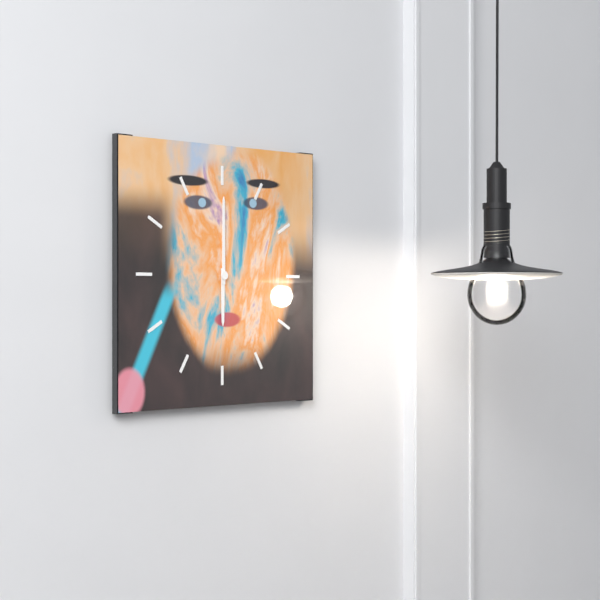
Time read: **6:00**
